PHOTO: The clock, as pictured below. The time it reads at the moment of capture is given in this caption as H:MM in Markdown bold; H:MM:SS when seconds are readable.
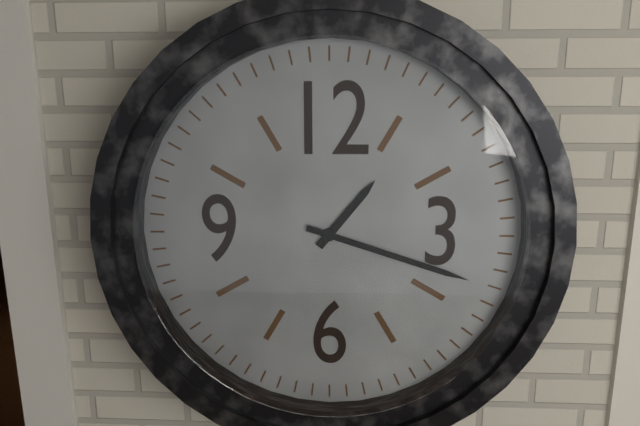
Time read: **1:18**
